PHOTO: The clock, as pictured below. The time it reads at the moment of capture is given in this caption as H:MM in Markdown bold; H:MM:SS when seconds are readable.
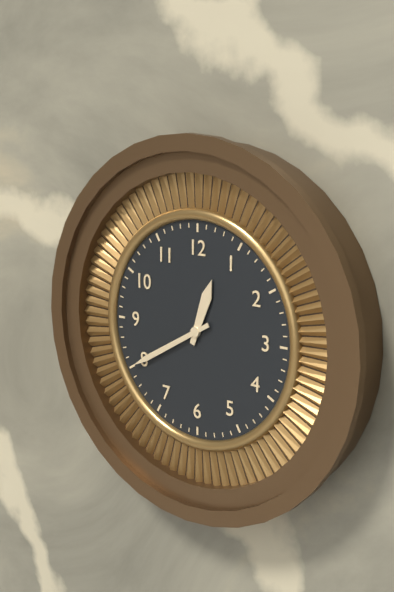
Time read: **12:40**
